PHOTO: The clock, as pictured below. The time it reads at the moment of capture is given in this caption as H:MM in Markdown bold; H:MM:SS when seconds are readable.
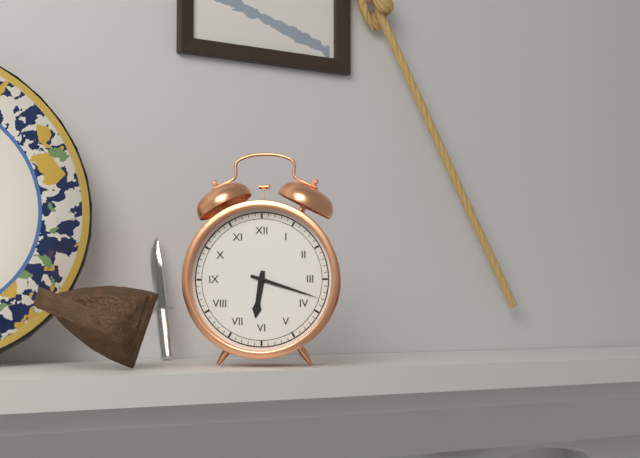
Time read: **6:18**
